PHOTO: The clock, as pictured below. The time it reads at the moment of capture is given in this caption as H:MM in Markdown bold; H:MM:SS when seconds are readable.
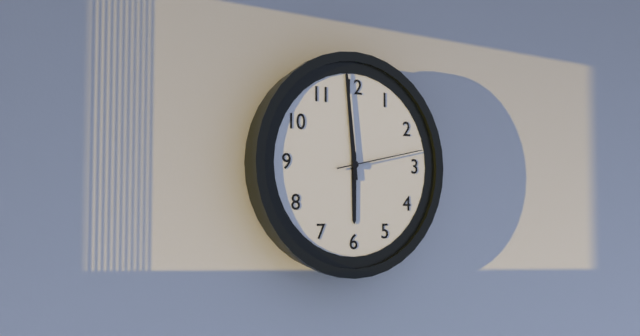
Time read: **5:59:13**
